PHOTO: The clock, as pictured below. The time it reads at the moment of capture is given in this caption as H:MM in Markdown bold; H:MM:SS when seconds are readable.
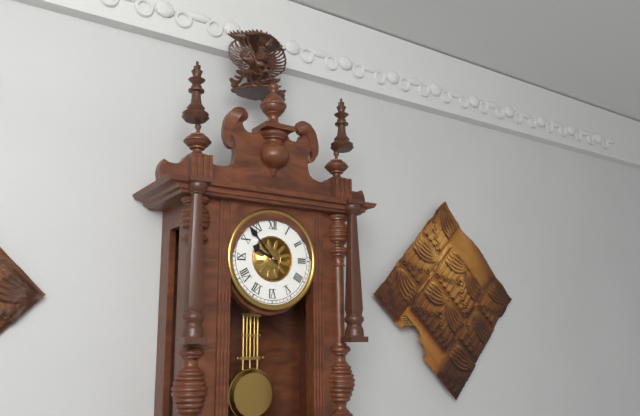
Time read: **9:53**
